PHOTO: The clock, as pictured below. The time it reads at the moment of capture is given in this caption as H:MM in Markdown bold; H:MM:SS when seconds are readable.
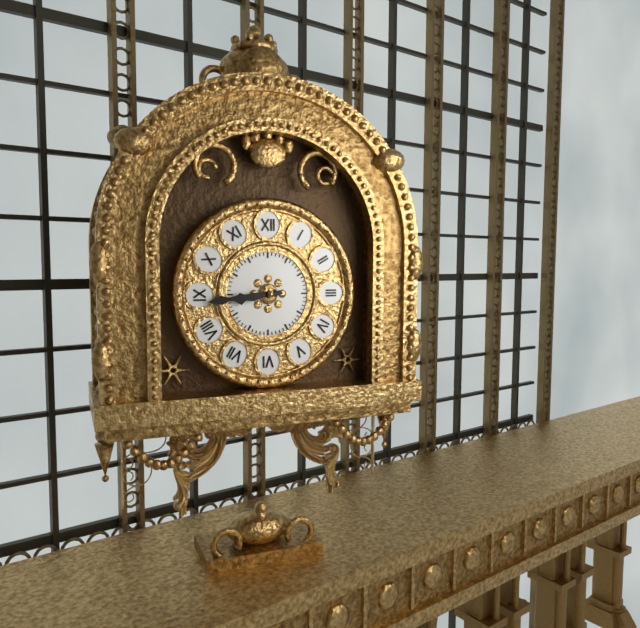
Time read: **8:44**
